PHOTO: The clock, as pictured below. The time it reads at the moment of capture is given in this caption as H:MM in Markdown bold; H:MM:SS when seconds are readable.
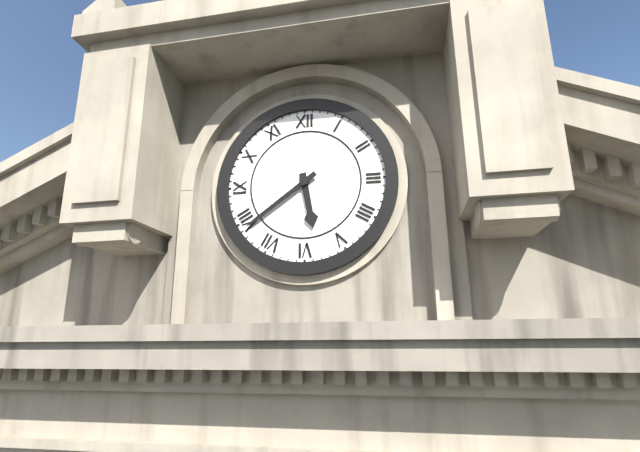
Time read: **5:39**
